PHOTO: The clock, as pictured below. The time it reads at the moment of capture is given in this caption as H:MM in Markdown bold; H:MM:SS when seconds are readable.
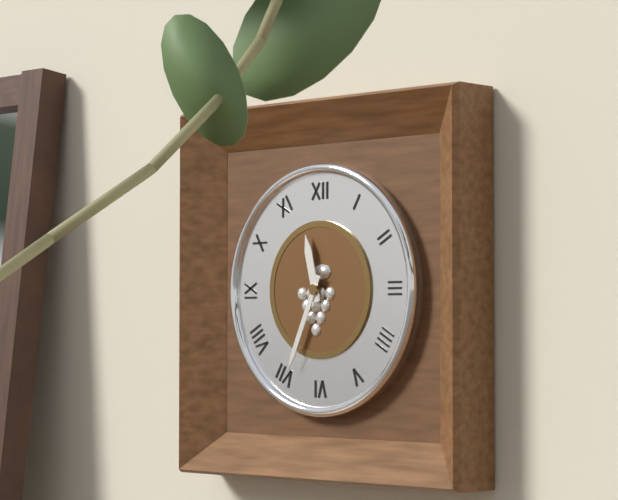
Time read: **11:34**
